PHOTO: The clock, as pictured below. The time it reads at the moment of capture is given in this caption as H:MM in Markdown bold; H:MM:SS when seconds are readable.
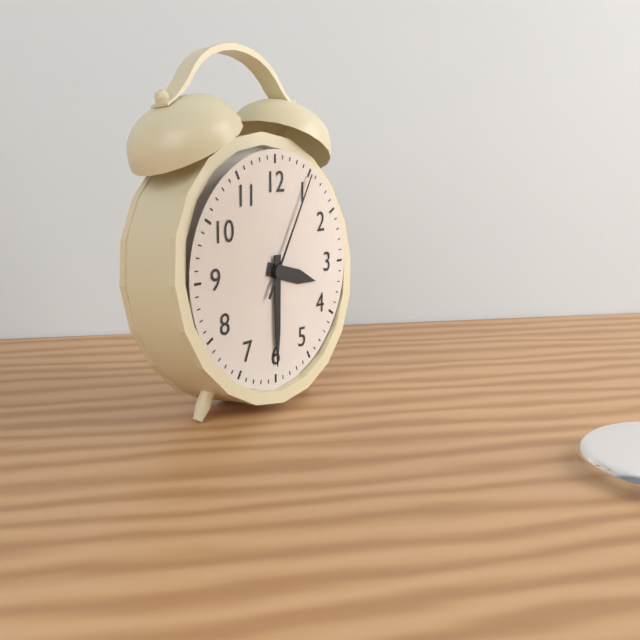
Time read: **3:30:05**
